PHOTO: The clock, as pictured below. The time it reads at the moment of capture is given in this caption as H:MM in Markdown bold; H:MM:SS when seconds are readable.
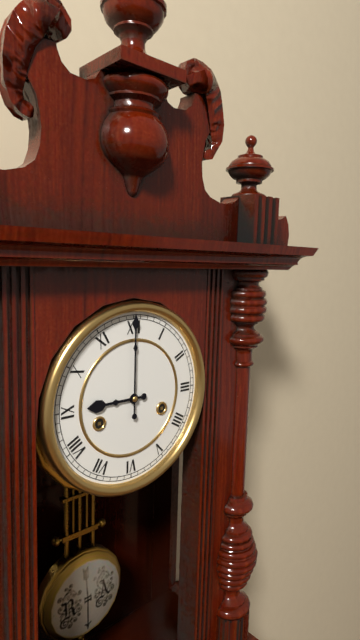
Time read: **9:00**
